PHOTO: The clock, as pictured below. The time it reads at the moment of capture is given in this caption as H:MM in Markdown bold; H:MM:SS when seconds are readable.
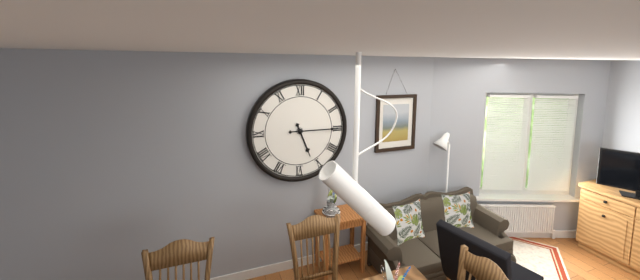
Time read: **5:15**
